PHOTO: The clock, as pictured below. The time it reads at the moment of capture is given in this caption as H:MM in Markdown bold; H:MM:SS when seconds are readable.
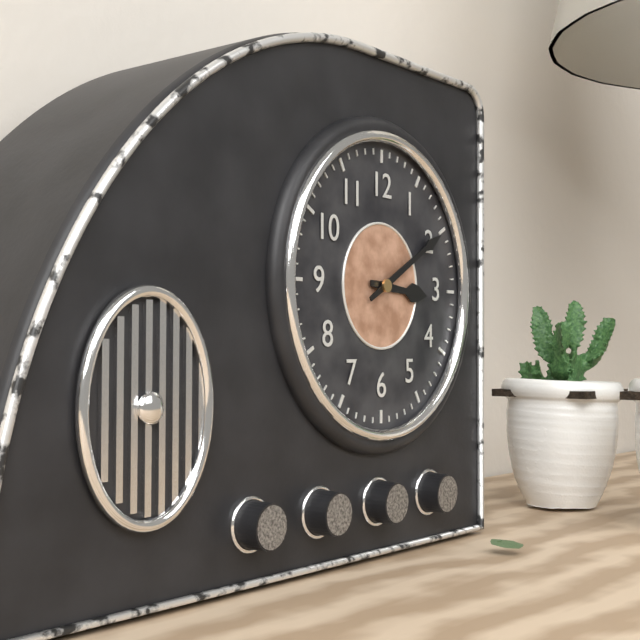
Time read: **3:10**
